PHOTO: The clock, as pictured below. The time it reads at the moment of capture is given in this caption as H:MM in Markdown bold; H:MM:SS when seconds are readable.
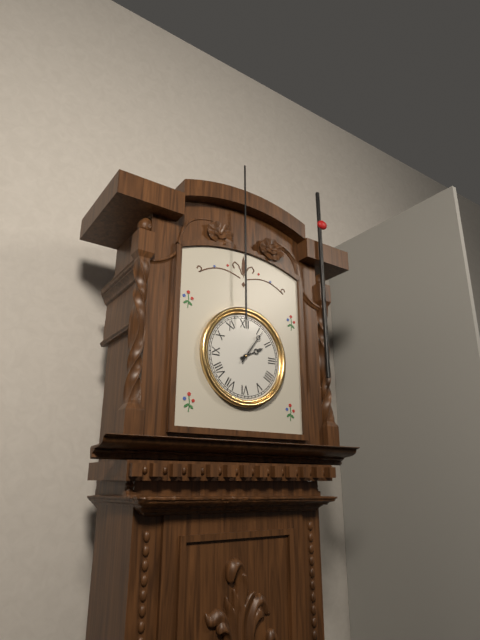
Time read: **2:06**
